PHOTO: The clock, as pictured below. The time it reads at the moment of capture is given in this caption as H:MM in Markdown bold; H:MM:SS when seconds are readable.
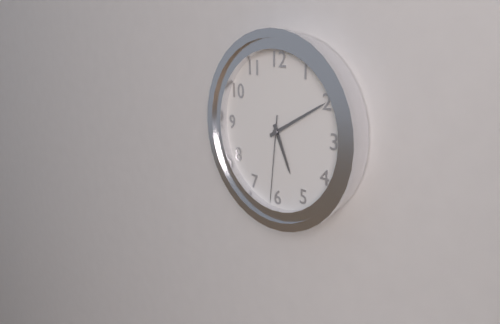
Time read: **5:10:31**
